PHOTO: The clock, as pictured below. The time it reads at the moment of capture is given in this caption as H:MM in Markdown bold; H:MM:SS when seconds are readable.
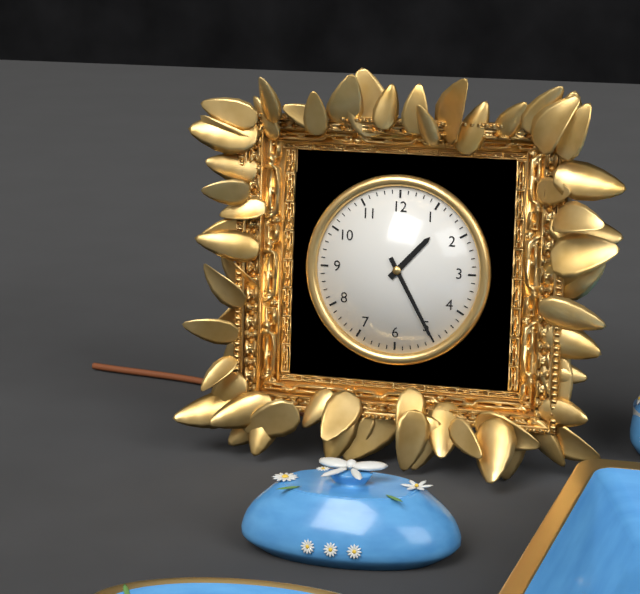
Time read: **1:25**
